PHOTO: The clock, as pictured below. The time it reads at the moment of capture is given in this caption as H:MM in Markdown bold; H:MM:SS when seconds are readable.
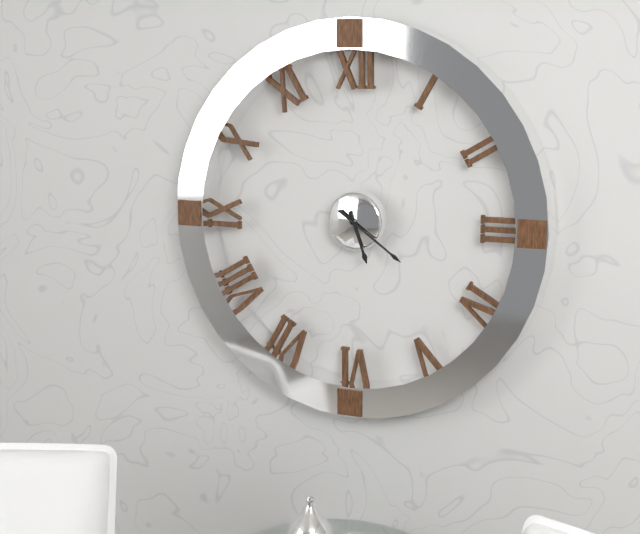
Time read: **5:21**
